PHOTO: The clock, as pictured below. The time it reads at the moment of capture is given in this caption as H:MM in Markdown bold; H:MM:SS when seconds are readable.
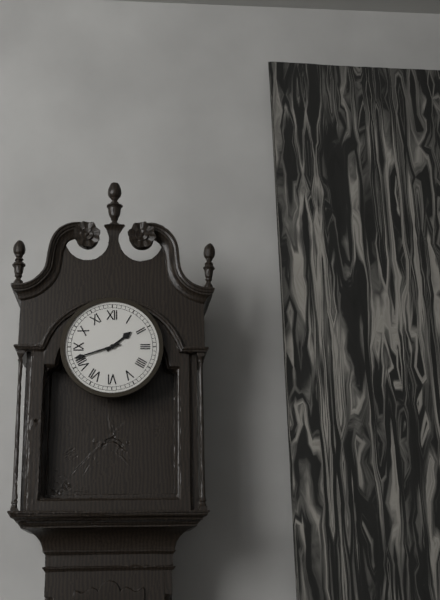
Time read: **1:42**
